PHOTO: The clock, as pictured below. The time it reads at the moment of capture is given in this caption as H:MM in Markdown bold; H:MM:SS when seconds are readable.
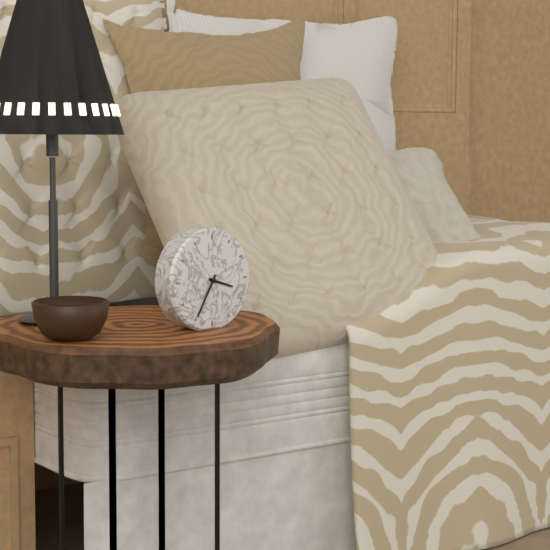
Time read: **3:35**
